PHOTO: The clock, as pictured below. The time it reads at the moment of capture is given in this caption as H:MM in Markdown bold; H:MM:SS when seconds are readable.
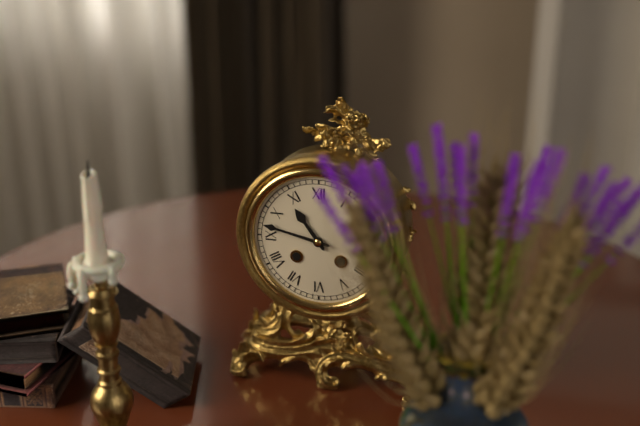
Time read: **10:47**
